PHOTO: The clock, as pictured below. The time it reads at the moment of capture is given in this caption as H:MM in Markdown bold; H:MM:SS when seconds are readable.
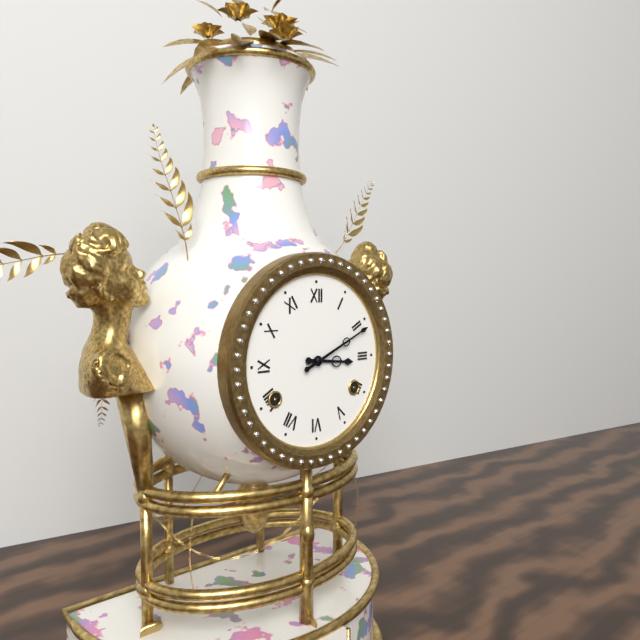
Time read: **3:11**
